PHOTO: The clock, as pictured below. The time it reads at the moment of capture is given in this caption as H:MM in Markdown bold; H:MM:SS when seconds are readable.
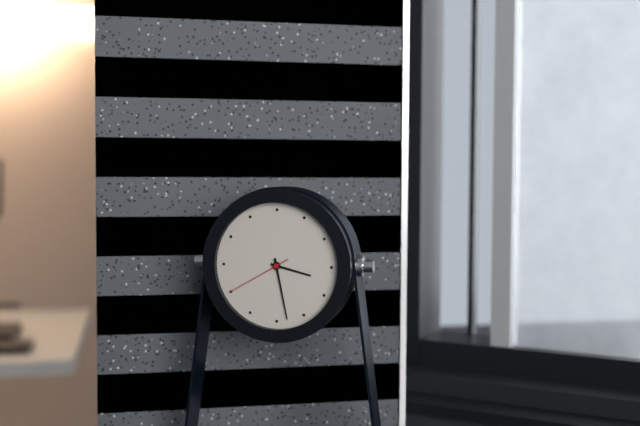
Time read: **3:28:40**
